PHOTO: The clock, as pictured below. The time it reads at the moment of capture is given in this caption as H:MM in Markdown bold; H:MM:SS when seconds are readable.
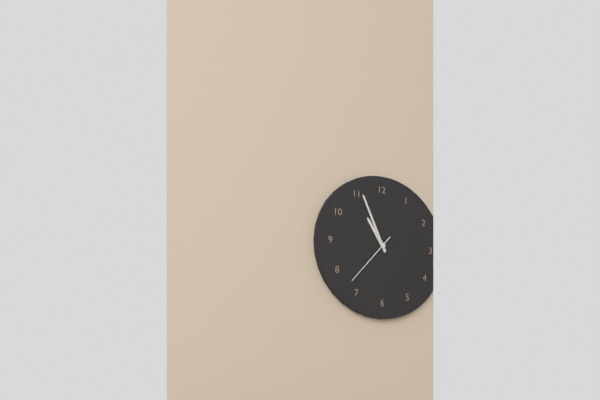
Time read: **10:56:37**
